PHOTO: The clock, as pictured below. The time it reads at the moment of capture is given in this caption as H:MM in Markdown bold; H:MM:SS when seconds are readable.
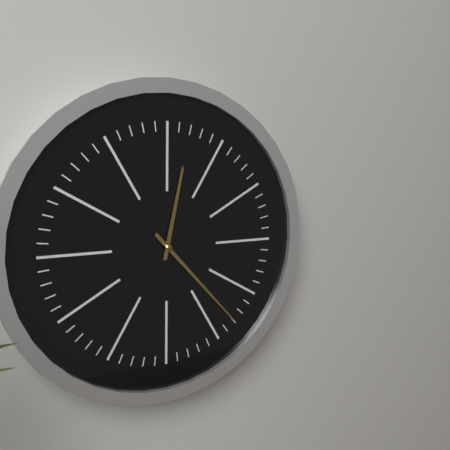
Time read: **12:23**
